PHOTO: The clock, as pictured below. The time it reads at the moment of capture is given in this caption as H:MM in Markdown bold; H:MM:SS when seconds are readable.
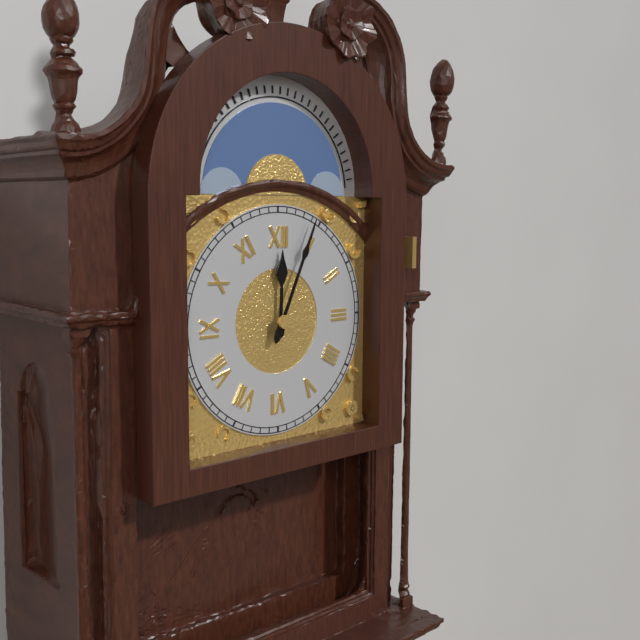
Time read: **12:04**
